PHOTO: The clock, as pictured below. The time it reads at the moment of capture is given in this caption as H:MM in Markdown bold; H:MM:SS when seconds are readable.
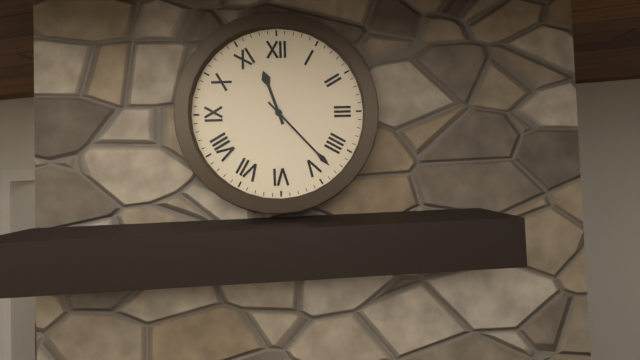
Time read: **11:23**
